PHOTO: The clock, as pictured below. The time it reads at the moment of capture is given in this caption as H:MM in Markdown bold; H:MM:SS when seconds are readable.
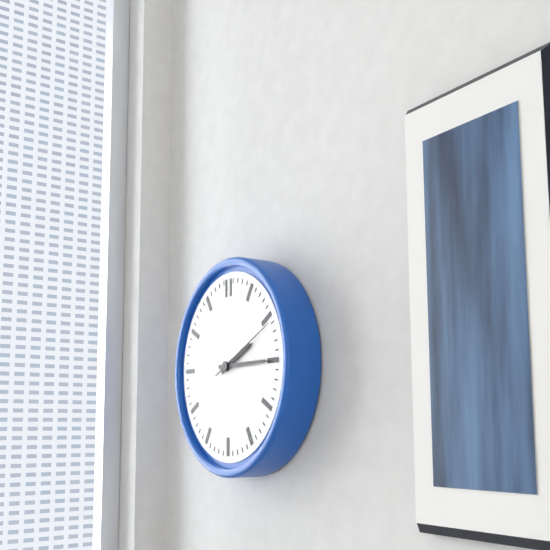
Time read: **2:15:11**
